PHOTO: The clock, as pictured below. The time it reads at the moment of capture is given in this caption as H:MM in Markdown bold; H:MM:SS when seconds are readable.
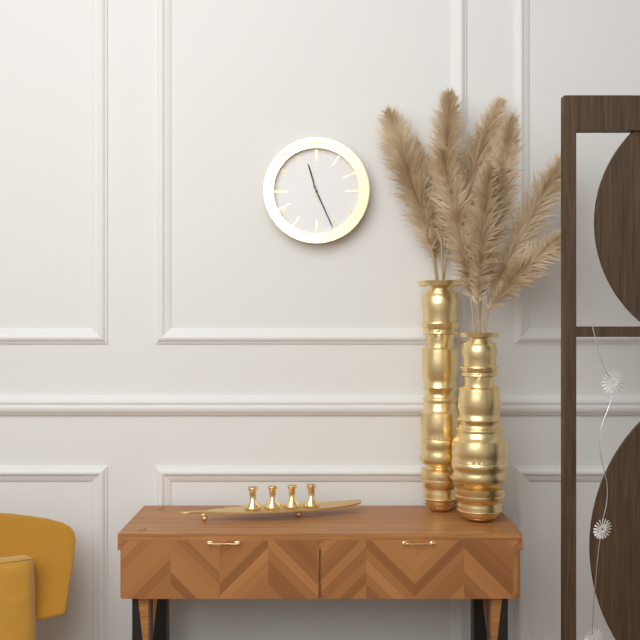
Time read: **11:26**
